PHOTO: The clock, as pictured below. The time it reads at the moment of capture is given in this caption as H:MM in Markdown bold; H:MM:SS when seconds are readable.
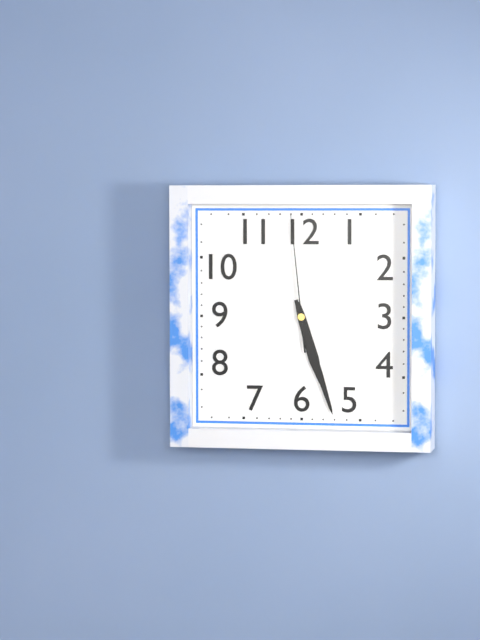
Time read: **5:27:59**
